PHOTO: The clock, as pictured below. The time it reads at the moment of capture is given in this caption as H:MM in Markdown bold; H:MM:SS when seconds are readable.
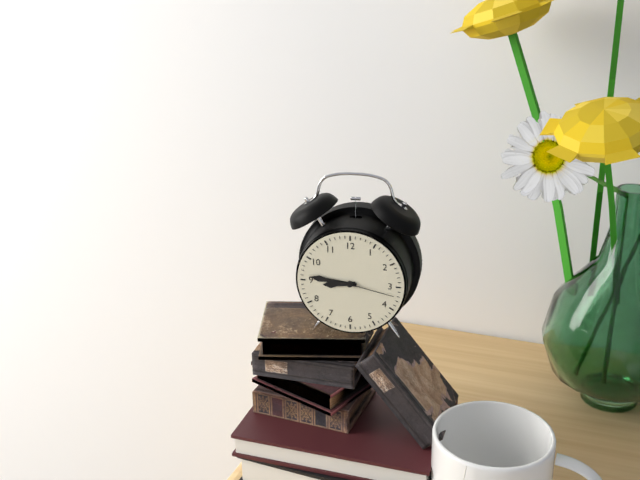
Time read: **8:46:17**
